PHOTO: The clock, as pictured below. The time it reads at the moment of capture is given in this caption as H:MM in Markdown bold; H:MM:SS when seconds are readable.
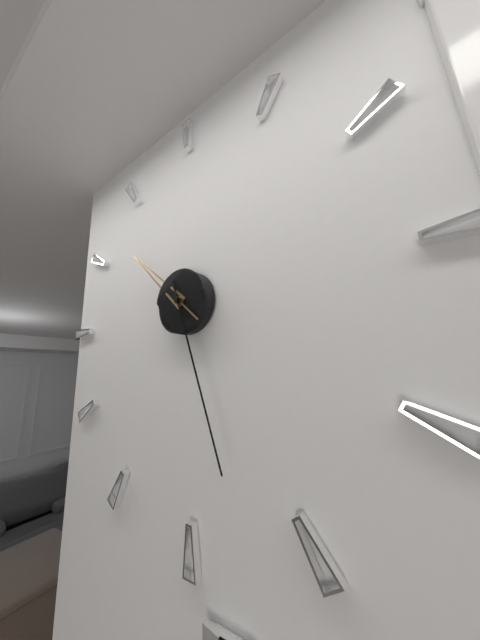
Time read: **10:27**
